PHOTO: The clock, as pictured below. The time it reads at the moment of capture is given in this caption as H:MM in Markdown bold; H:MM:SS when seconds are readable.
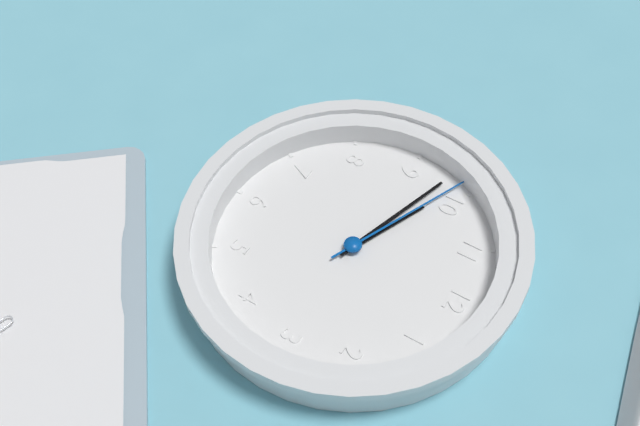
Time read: **9:48:49**
